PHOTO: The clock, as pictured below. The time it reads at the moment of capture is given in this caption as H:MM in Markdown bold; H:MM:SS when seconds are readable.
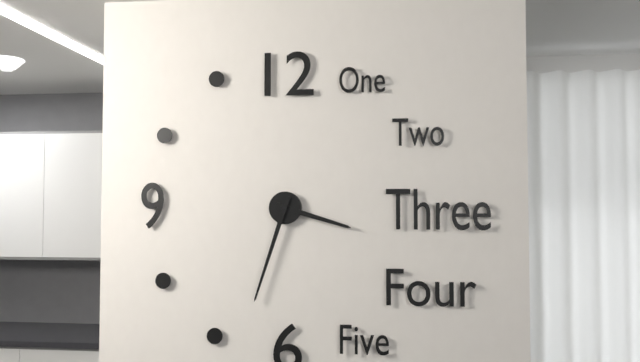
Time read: **3:33**
